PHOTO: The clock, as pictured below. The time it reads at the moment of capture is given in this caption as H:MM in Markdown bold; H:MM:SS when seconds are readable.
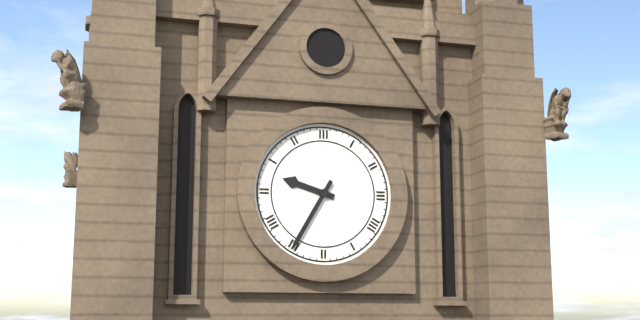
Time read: **9:35**
